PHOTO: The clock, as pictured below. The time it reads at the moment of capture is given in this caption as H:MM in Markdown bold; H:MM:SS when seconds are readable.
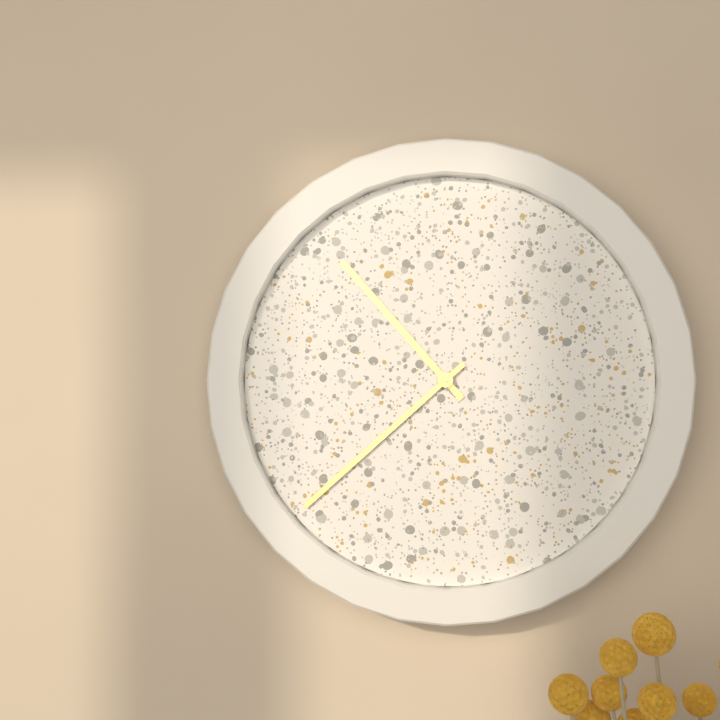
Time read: **10:38**
